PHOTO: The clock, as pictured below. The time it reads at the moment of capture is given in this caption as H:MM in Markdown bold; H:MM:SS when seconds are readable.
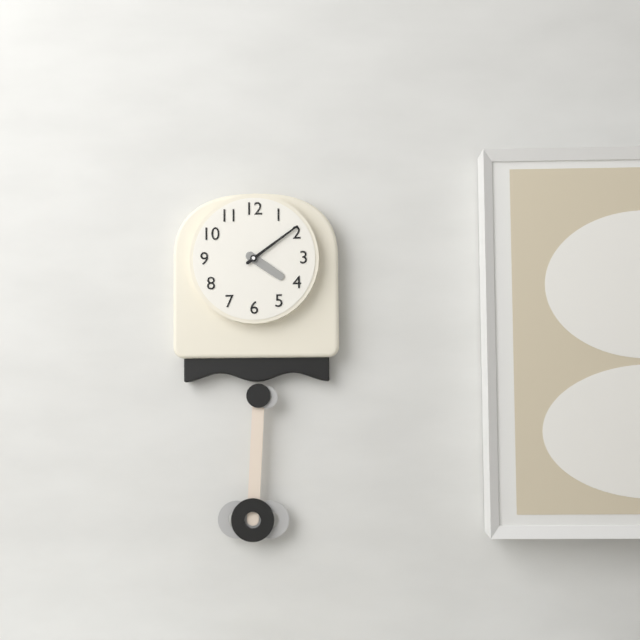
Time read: **4:09**
